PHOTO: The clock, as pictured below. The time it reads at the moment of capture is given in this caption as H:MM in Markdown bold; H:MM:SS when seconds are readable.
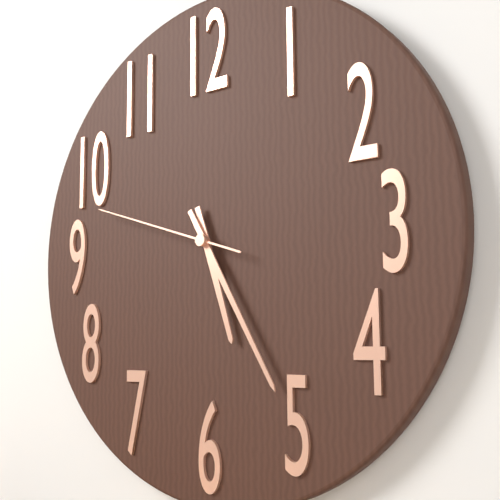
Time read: **5:25:48**
